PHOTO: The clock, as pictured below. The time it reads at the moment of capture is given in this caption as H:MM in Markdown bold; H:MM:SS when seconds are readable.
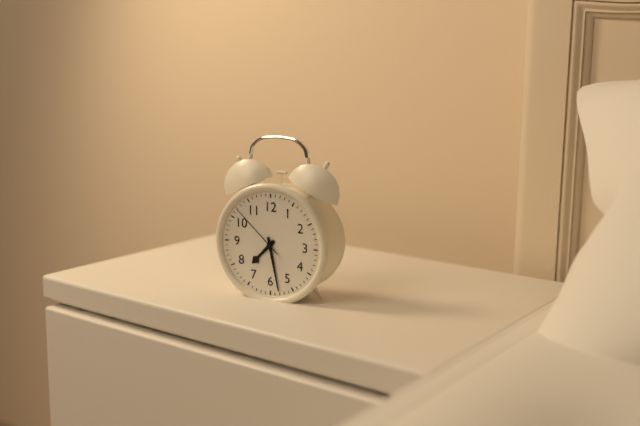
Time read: **7:28:52**
